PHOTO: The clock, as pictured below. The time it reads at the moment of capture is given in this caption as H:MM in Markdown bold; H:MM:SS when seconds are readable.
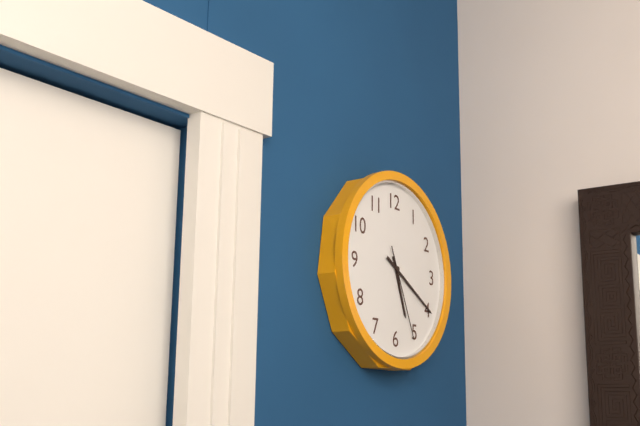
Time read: **5:20:26**
